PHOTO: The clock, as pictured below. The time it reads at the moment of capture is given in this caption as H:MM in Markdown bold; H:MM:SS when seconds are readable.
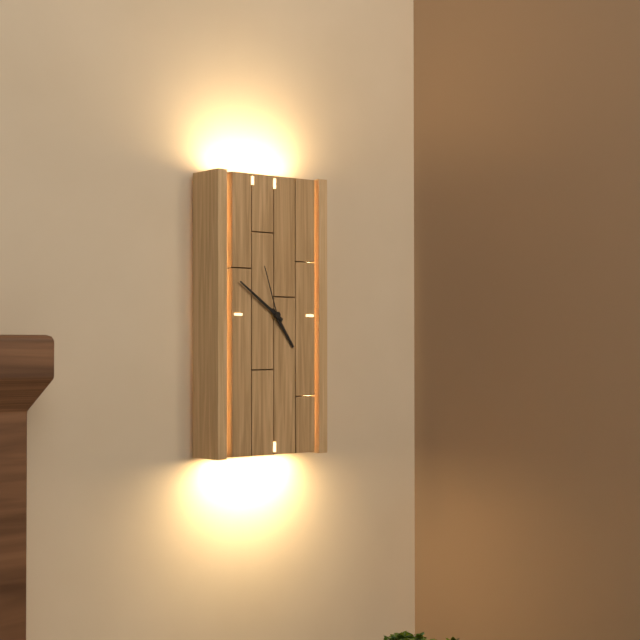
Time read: **4:51:57**
